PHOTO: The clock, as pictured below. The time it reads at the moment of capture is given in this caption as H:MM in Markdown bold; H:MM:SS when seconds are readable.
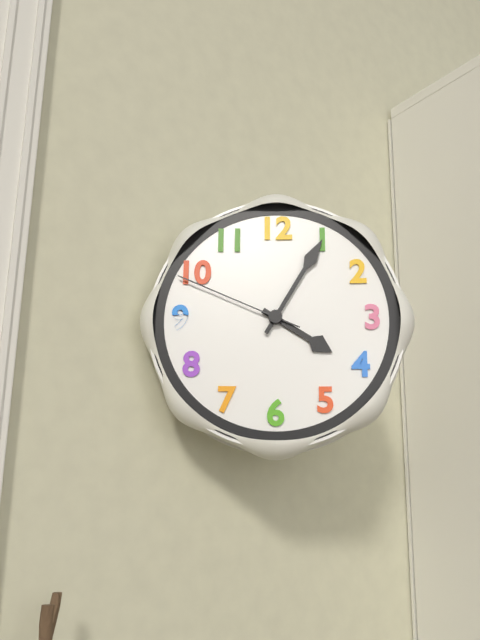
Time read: **4:05:49**
